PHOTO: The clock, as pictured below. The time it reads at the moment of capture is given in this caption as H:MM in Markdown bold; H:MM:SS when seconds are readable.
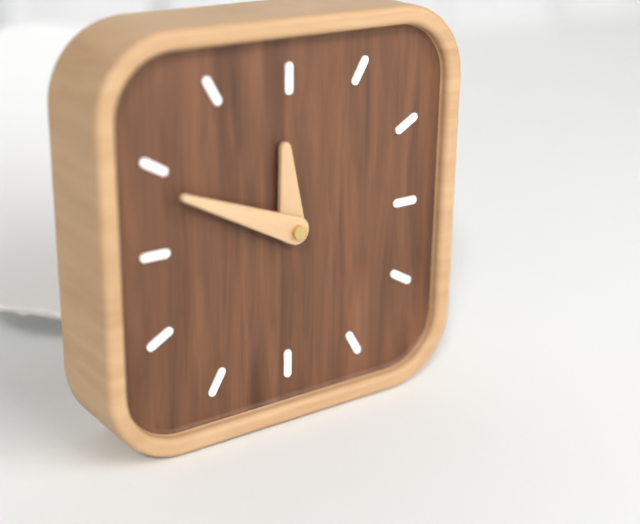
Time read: **11:49**
